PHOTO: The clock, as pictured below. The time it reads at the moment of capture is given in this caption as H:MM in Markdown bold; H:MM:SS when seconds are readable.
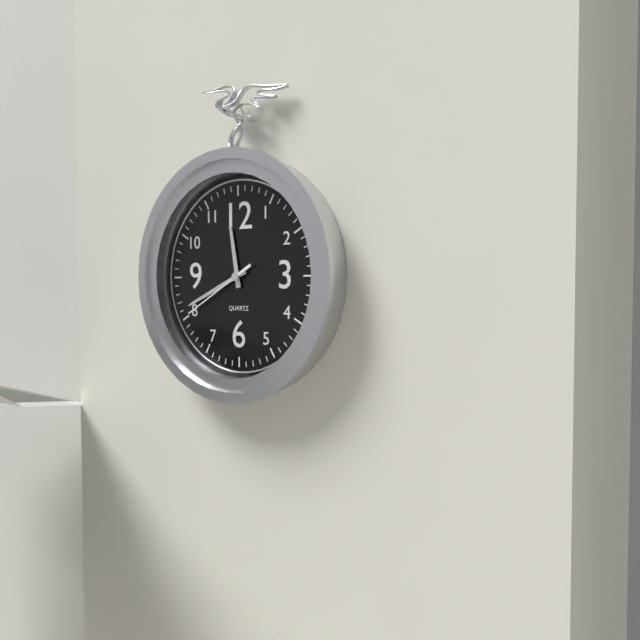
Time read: **11:41:40**
